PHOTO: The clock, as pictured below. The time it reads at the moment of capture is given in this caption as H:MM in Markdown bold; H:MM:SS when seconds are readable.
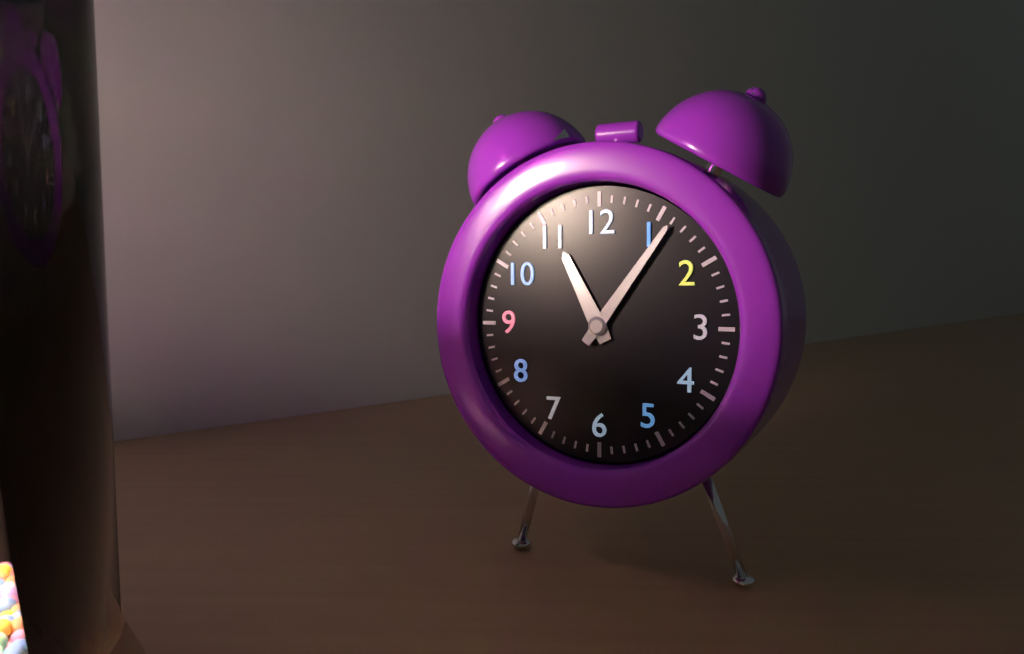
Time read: **11:06**
